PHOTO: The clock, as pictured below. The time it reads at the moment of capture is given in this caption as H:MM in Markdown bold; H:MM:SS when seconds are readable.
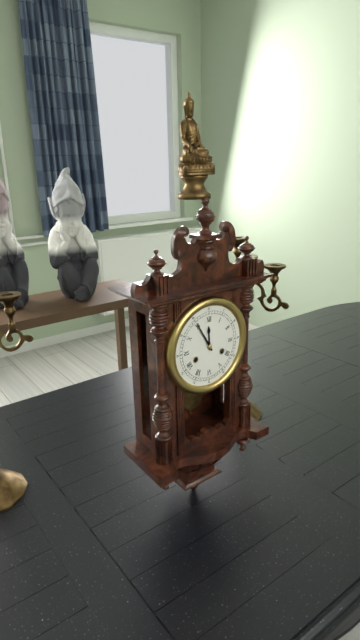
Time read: **11:55**
